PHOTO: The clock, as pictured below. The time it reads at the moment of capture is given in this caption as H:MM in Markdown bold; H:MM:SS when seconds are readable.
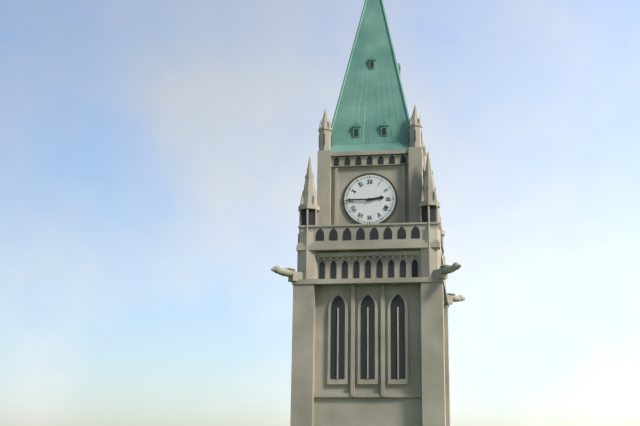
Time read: **2:45**
